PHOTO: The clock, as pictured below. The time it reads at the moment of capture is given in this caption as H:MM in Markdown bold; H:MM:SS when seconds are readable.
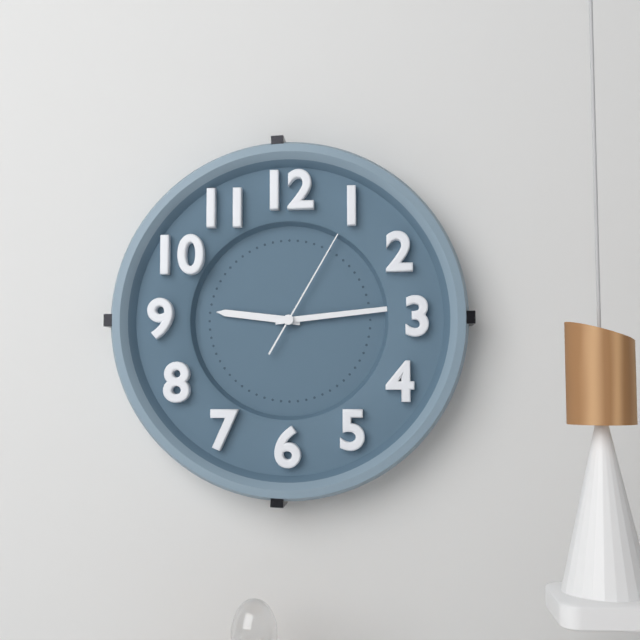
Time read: **9:14:05**
